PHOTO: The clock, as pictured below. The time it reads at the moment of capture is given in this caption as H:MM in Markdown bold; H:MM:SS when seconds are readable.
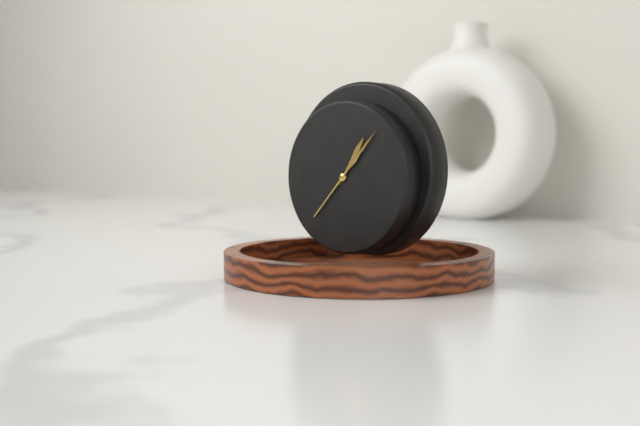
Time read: **1:07**
